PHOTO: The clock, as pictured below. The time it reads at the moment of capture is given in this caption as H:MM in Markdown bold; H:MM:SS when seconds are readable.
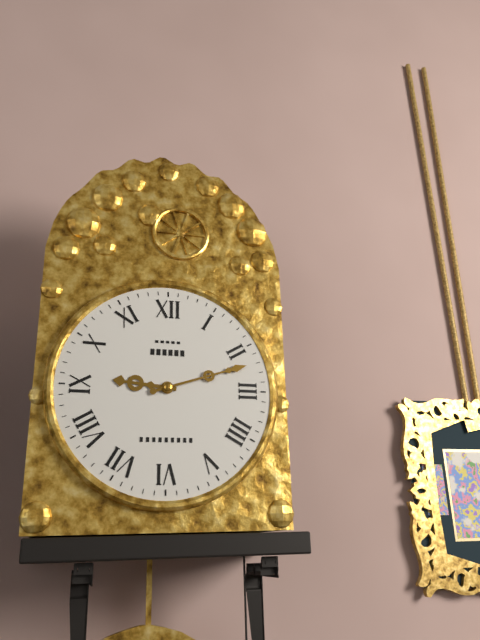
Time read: **9:12**
